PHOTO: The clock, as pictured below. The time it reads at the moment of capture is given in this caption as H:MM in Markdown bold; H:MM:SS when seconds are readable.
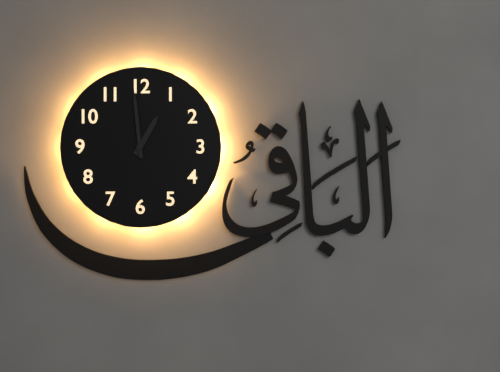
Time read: **12:59**
